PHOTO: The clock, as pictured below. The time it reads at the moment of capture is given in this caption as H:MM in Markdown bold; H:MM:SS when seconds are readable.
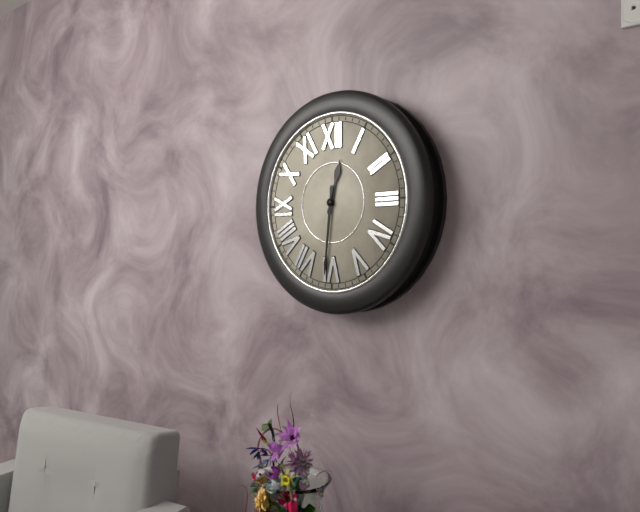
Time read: **12:31**
